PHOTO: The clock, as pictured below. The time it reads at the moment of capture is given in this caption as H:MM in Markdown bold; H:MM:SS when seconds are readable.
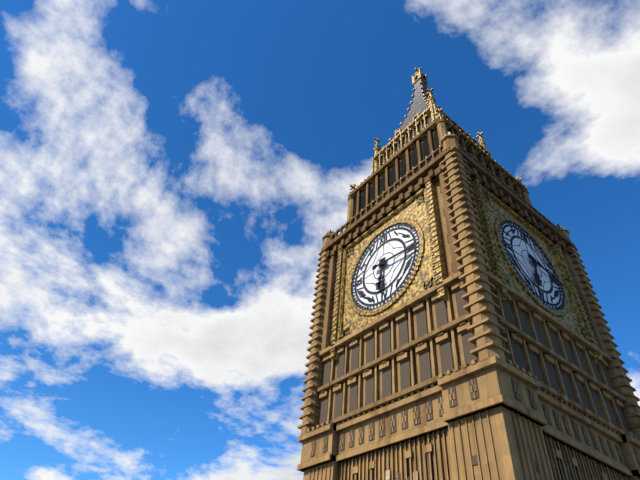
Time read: **6:16**
